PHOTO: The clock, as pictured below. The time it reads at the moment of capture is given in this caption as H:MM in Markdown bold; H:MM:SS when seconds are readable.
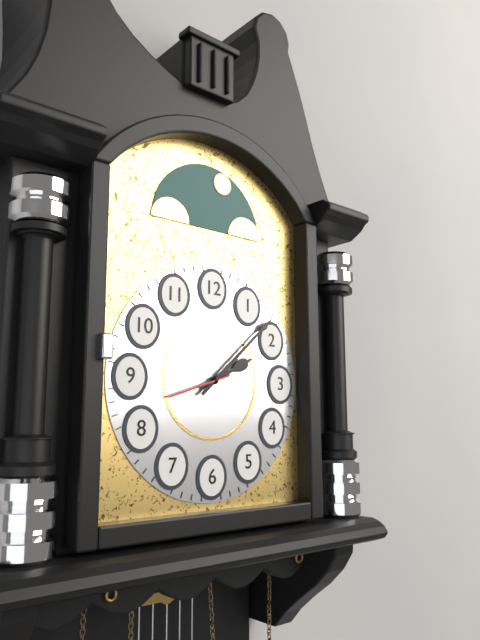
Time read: **2:08:42**
